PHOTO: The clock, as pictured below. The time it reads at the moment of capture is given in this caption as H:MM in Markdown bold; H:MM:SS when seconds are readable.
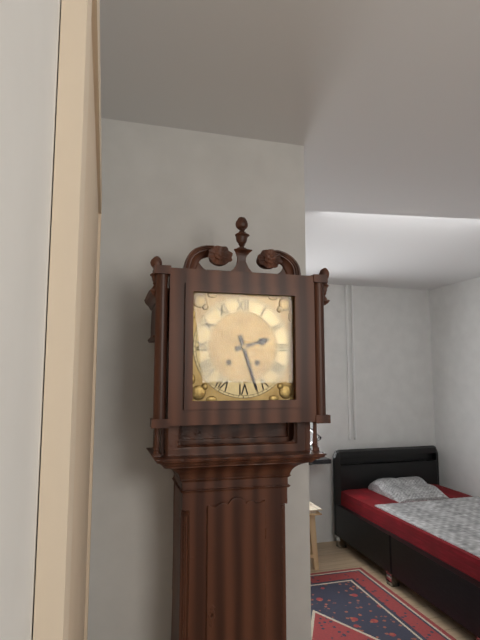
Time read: **2:27**
